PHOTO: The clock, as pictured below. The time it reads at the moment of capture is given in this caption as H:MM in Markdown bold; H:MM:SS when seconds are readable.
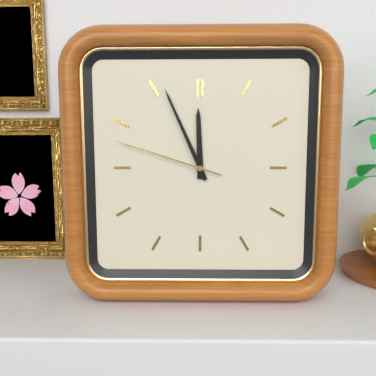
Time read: **11:56:48**
